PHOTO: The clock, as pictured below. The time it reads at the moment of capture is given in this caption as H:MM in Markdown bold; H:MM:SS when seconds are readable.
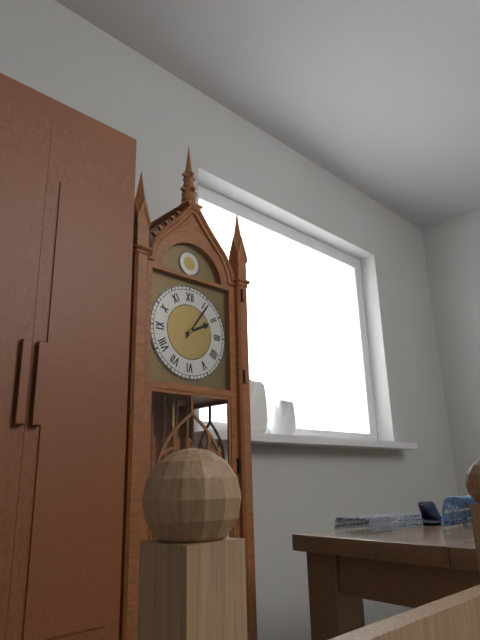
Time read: **2:06**
